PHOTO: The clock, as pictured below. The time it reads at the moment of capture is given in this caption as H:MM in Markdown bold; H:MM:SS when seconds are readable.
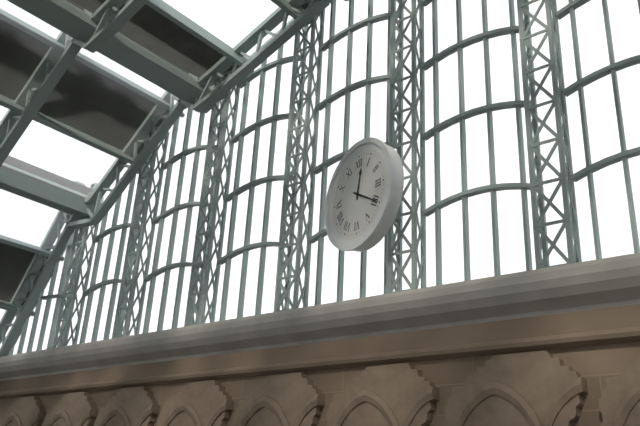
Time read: **12:20**
